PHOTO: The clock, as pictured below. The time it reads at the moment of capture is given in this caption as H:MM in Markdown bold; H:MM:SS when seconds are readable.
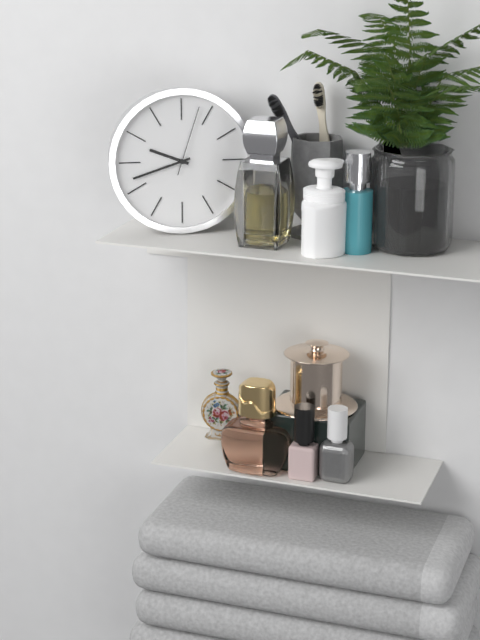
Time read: **9:42:03**
